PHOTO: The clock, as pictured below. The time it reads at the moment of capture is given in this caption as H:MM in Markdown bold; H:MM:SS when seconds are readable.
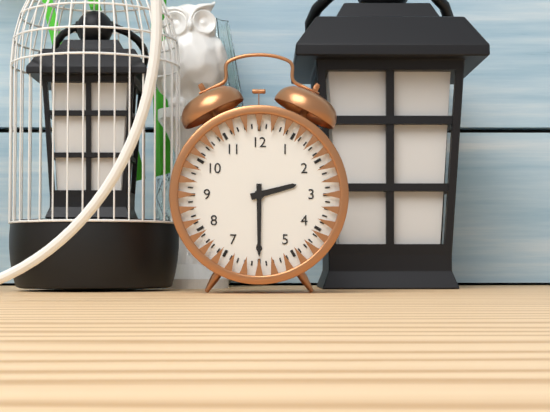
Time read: **2:30**
